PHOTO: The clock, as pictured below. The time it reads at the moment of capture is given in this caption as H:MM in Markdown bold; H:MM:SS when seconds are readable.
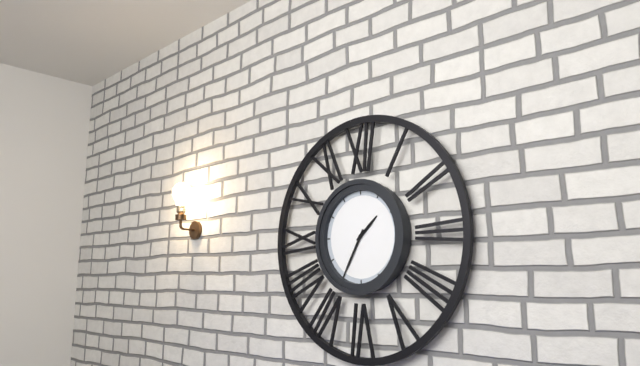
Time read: **1:35**
